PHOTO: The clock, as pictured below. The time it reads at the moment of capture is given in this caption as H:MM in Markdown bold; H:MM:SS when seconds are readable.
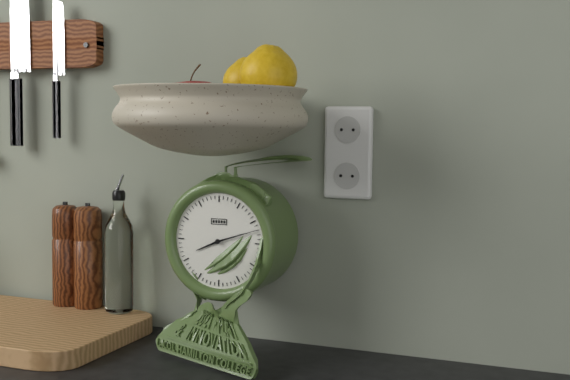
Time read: **8:12**
